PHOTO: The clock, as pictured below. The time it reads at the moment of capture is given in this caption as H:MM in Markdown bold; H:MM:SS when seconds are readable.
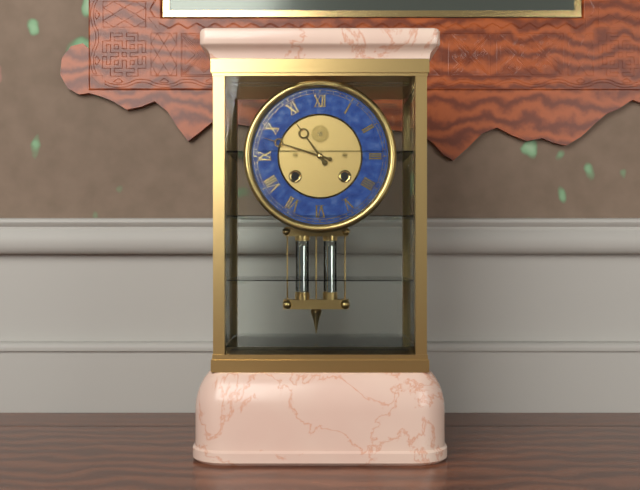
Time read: **10:48**
